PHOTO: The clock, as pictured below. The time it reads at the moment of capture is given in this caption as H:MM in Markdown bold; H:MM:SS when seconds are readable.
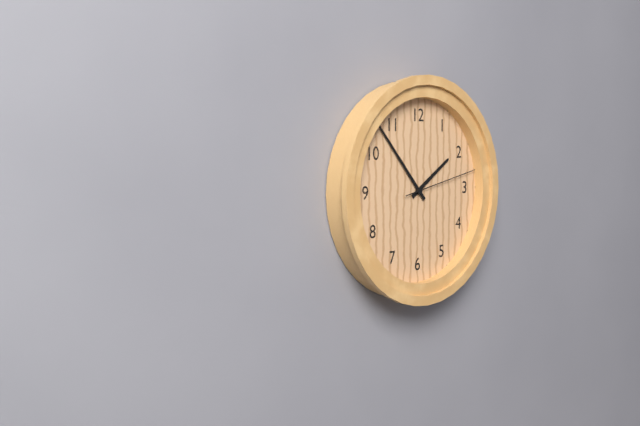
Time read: **1:53:13**
